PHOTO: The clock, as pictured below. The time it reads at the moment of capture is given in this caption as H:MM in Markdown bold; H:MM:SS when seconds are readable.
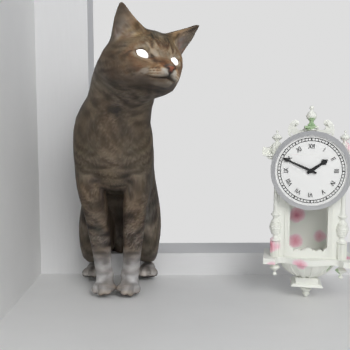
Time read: **1:49**
